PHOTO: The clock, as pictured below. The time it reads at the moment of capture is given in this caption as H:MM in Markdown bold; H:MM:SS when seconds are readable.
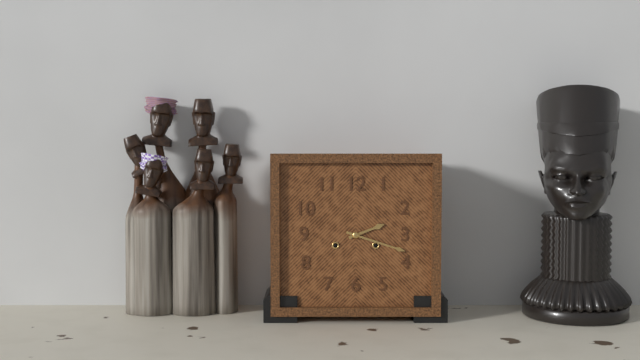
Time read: **2:18**
